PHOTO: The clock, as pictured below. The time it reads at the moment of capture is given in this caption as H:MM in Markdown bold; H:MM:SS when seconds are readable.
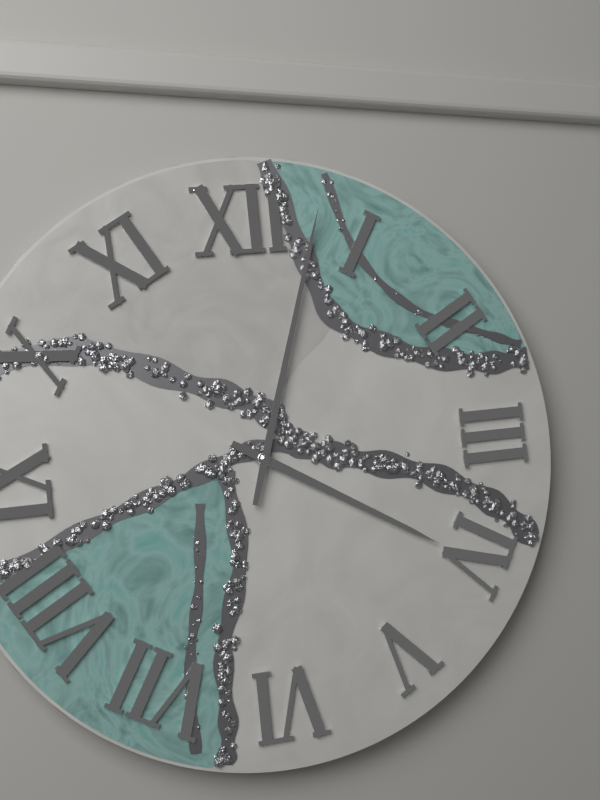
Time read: **4:03**
